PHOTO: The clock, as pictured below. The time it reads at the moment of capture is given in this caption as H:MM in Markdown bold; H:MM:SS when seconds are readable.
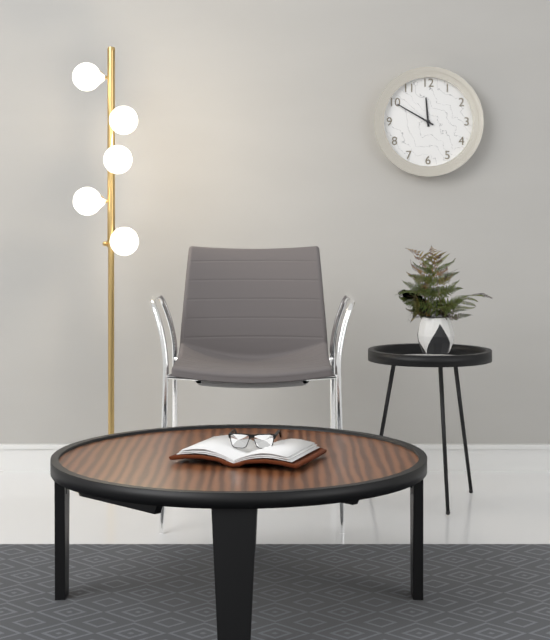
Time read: **11:50**
